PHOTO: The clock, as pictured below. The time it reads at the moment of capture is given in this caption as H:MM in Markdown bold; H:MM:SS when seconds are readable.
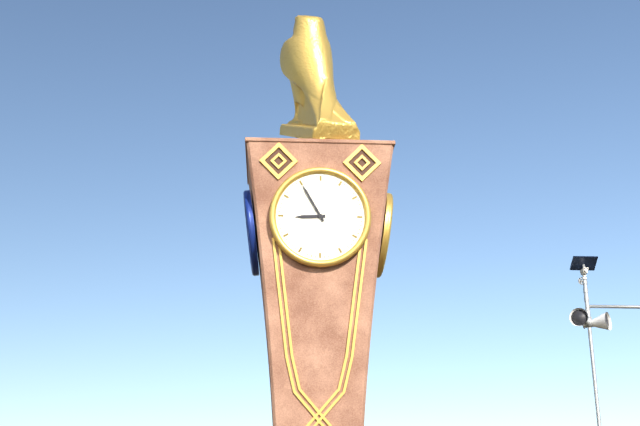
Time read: **8:55**
